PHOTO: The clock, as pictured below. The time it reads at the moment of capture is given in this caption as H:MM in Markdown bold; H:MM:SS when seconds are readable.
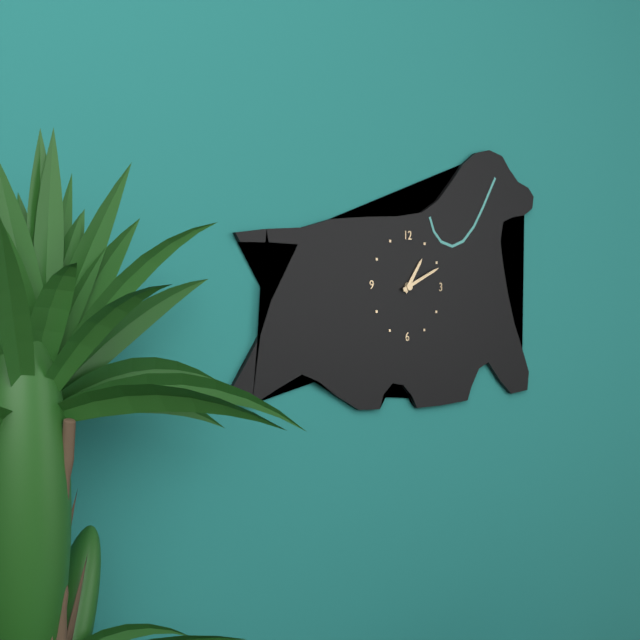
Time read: **1:11**
